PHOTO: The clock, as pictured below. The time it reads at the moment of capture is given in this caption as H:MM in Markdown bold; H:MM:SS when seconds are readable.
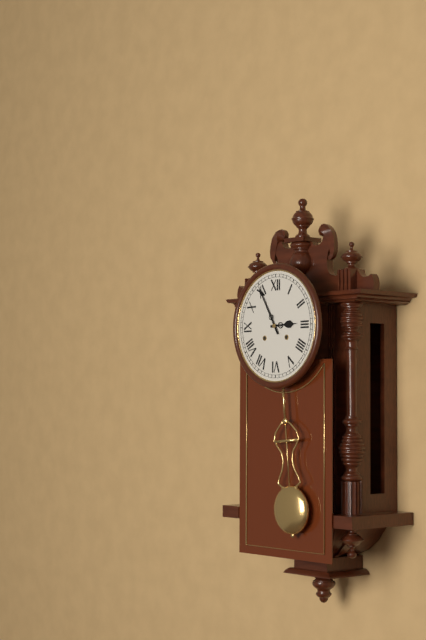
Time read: **2:55**
